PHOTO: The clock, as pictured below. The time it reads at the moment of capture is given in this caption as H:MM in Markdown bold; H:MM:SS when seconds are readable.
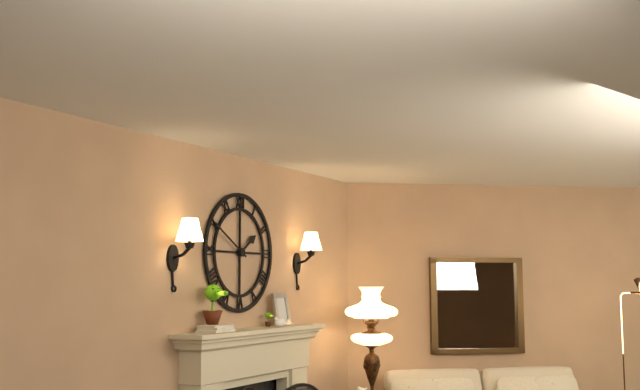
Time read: **1:50**
